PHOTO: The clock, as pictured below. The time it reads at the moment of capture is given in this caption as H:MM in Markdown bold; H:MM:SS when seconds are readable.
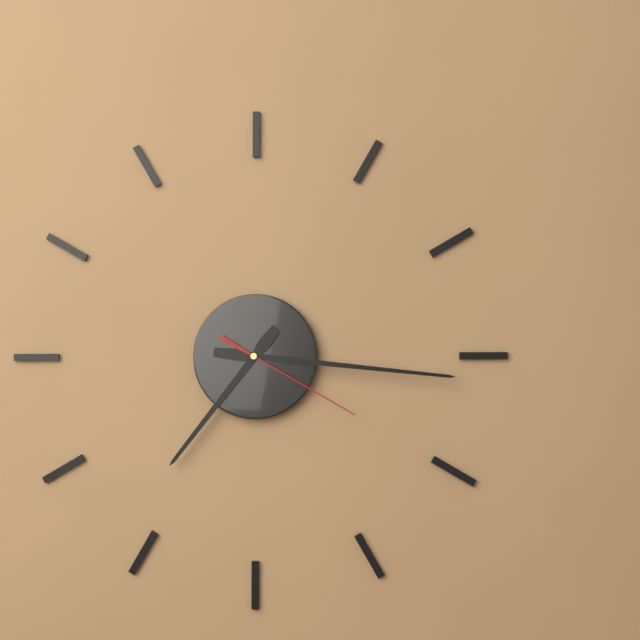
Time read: **7:16:20**
